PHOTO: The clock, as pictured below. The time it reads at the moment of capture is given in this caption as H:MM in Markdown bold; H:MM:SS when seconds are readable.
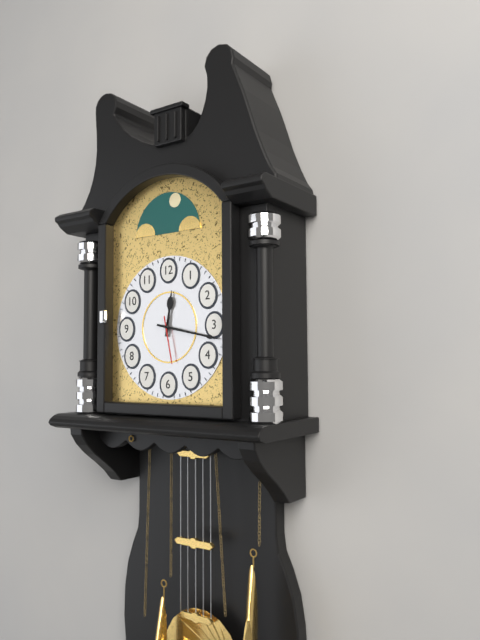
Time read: **12:17**
